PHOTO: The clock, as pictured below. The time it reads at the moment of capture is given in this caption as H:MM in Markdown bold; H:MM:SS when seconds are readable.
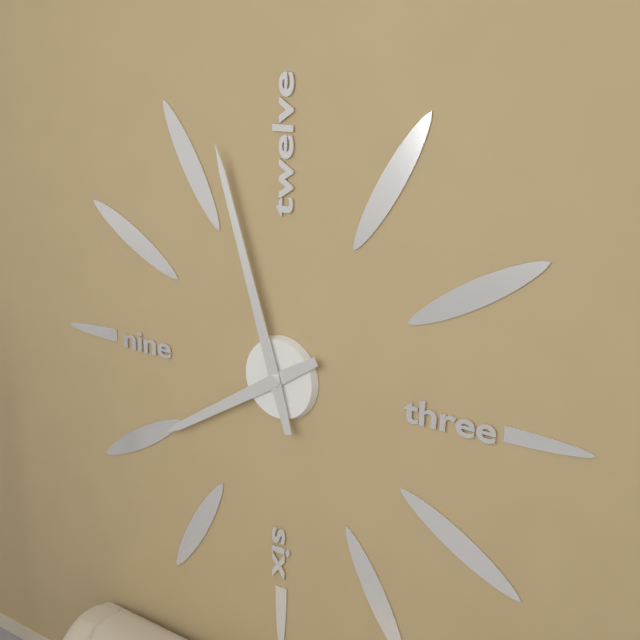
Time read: **7:57**
